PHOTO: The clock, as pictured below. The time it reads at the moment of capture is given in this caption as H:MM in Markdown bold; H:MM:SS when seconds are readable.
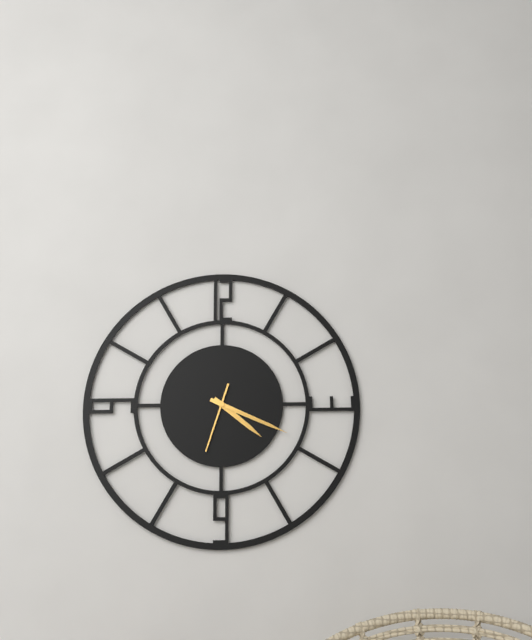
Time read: **4:19:33**
